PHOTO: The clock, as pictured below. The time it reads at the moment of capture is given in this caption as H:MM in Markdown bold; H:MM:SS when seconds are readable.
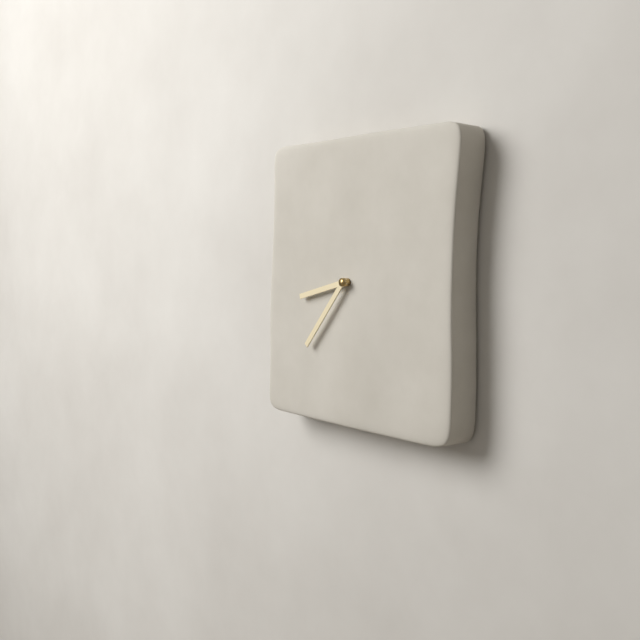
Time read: **8:37**
